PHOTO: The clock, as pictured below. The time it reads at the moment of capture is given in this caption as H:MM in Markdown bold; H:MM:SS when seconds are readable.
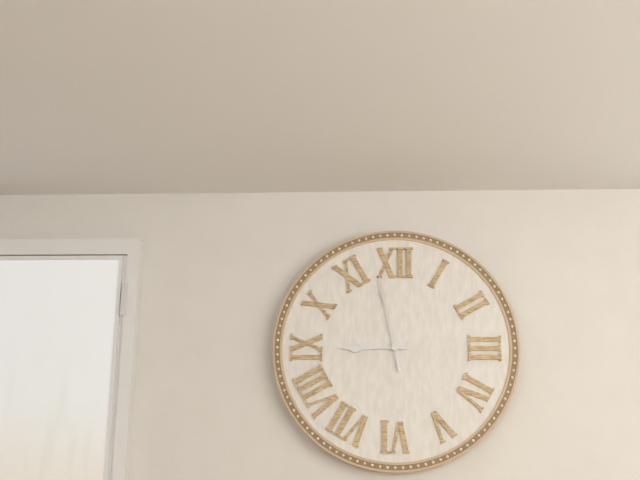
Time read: **8:58**
